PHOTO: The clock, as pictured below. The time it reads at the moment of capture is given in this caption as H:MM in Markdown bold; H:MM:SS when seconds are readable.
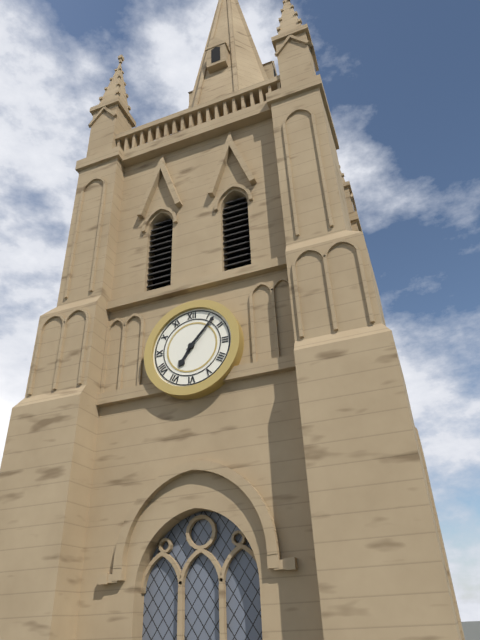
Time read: **7:07**
